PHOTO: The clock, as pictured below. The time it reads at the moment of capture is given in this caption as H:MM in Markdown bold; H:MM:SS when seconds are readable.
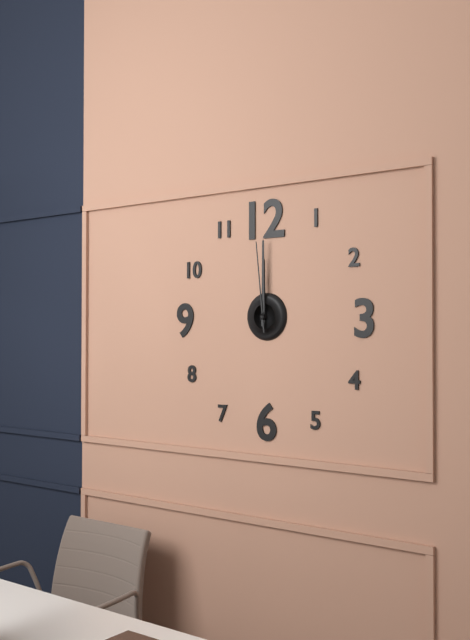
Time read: **12:00:59**
